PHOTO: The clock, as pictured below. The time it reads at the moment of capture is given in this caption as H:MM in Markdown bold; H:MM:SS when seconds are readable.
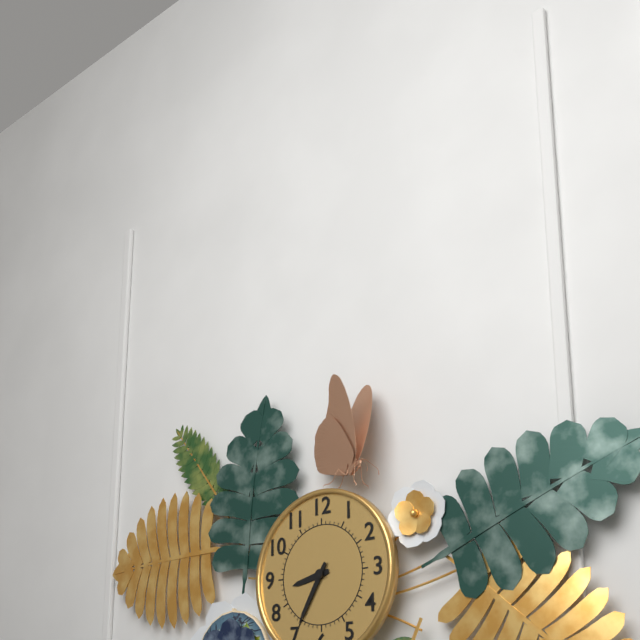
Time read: **8:35**
